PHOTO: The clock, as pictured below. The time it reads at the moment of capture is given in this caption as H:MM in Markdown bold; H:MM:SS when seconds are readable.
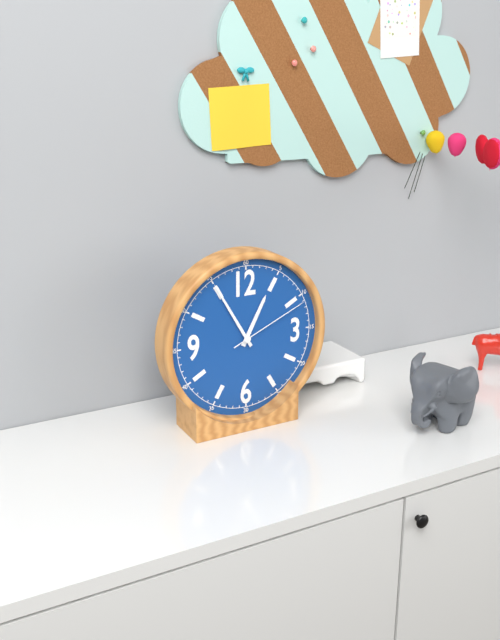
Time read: **12:55:11**
